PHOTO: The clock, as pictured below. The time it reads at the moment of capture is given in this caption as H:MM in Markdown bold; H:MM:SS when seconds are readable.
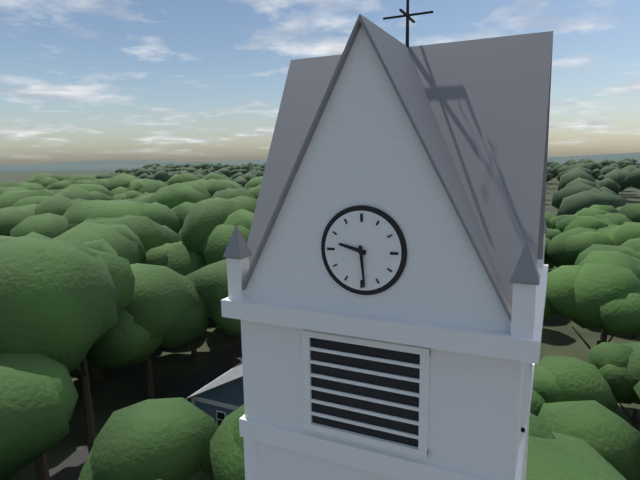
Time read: **9:29**
